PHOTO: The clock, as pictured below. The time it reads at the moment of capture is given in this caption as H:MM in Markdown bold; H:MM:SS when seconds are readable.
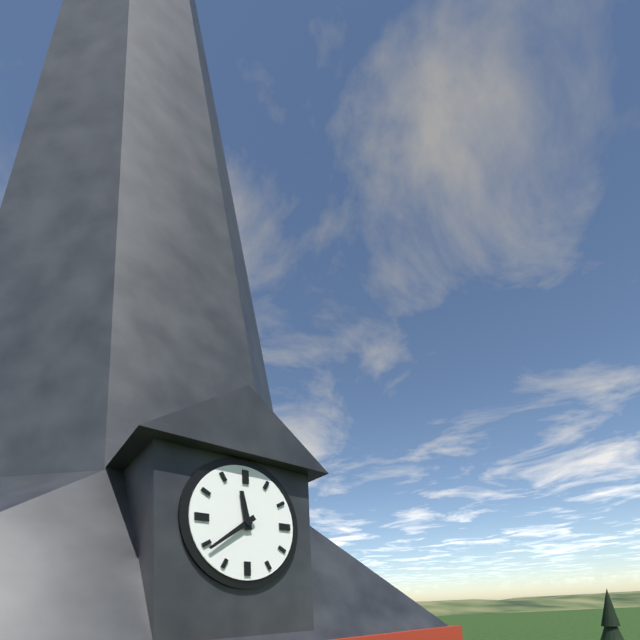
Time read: **11:39**
